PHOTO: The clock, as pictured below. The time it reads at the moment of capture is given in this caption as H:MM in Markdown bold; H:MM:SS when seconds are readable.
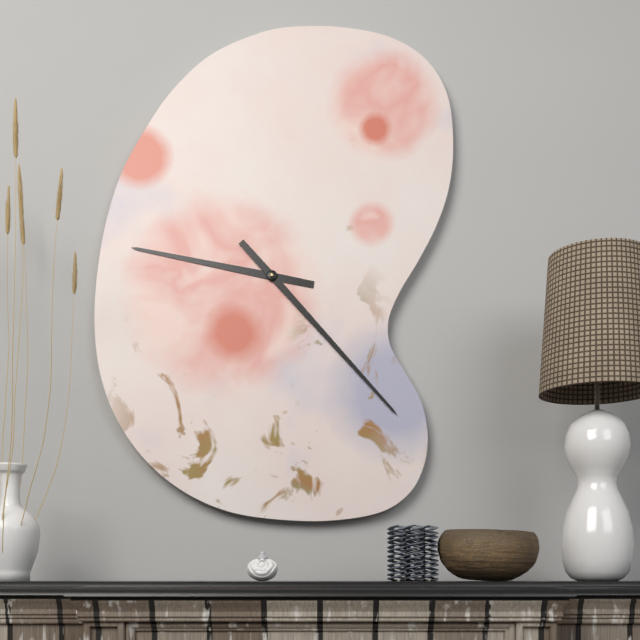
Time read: **9:23**
